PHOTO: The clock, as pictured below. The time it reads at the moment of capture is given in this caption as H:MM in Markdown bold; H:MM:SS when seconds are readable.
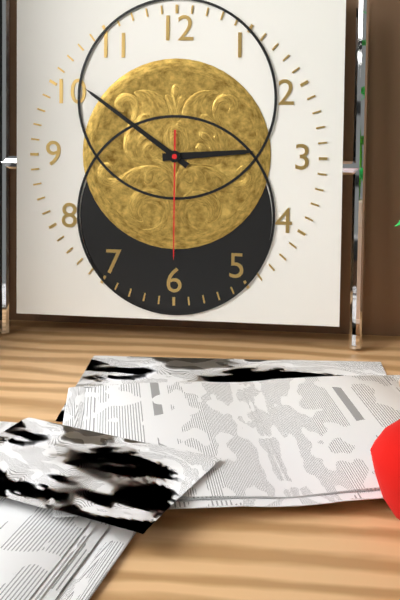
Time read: **2:51:30**
